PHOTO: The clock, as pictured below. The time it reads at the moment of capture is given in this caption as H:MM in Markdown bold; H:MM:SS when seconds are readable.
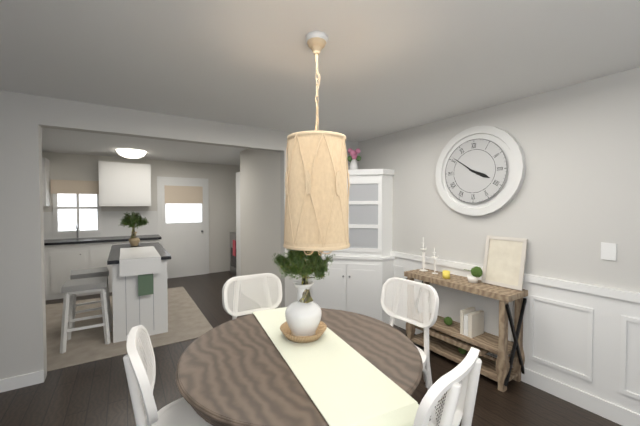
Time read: **3:51**
